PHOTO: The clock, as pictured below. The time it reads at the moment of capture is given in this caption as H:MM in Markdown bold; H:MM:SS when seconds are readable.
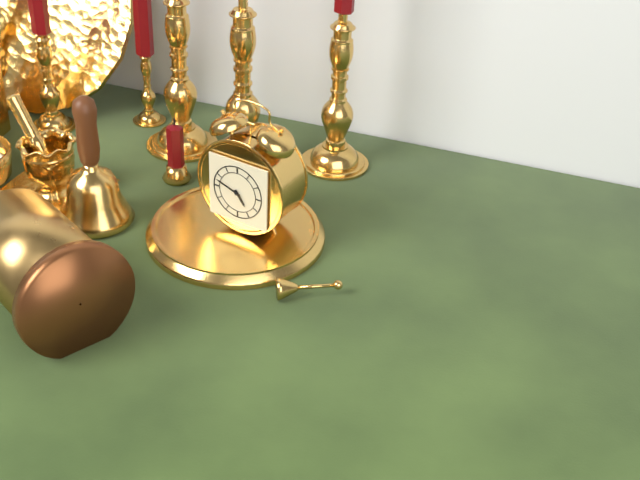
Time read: **4:48**
